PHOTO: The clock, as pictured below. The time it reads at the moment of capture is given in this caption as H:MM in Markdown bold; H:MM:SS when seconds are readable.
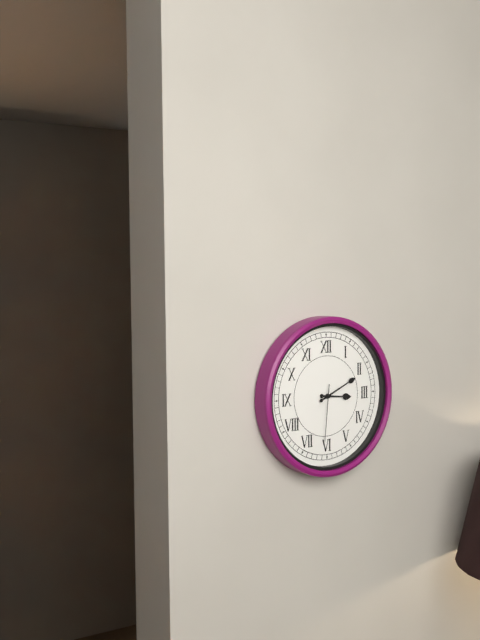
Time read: **3:11:31**
